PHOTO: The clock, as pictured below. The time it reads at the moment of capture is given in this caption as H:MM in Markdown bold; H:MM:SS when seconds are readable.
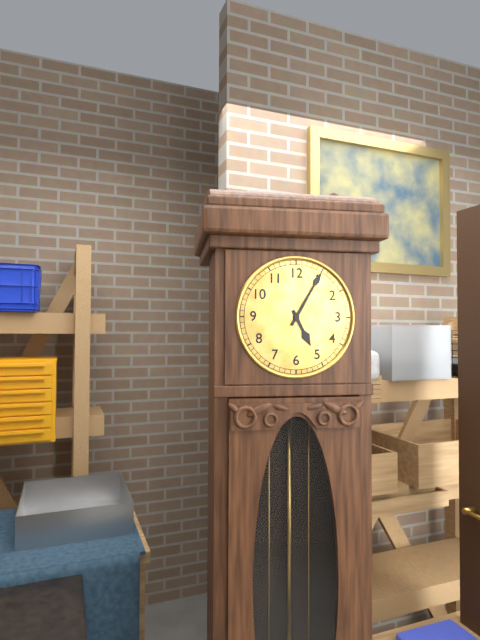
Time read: **5:05**
